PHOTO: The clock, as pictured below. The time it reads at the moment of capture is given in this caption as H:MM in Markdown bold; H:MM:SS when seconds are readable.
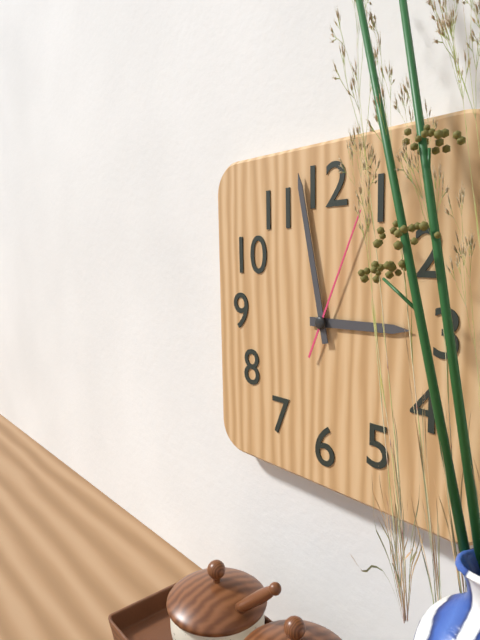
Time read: **2:58:04**
